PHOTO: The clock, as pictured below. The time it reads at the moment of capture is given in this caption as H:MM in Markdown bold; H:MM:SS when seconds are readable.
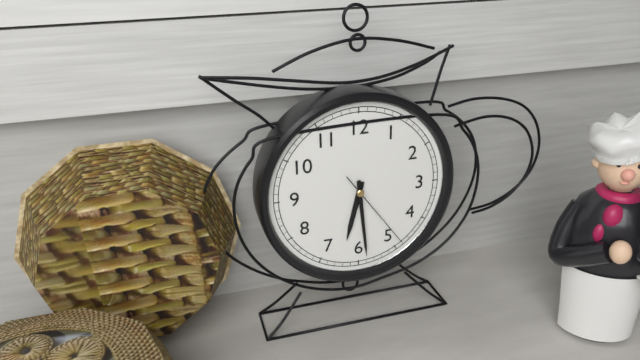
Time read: **6:29:24**
